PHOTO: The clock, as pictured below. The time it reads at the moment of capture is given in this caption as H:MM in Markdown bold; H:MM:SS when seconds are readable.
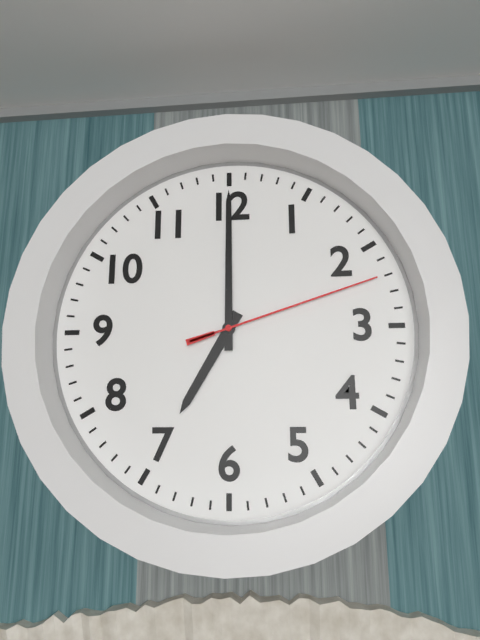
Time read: **7:00:12**
